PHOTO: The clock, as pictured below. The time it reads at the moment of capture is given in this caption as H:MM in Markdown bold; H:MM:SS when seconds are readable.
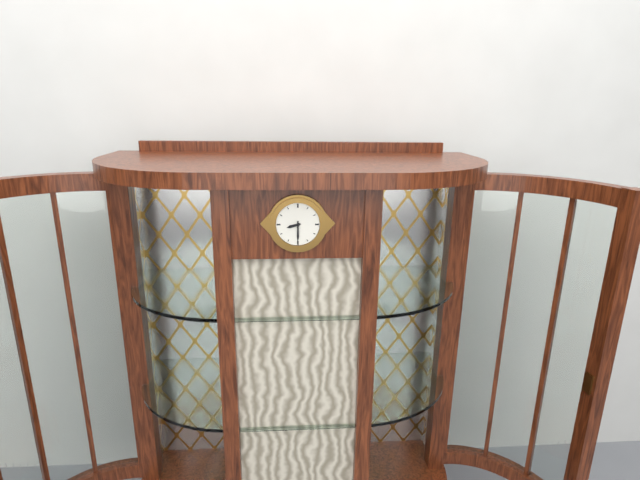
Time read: **8:30**
